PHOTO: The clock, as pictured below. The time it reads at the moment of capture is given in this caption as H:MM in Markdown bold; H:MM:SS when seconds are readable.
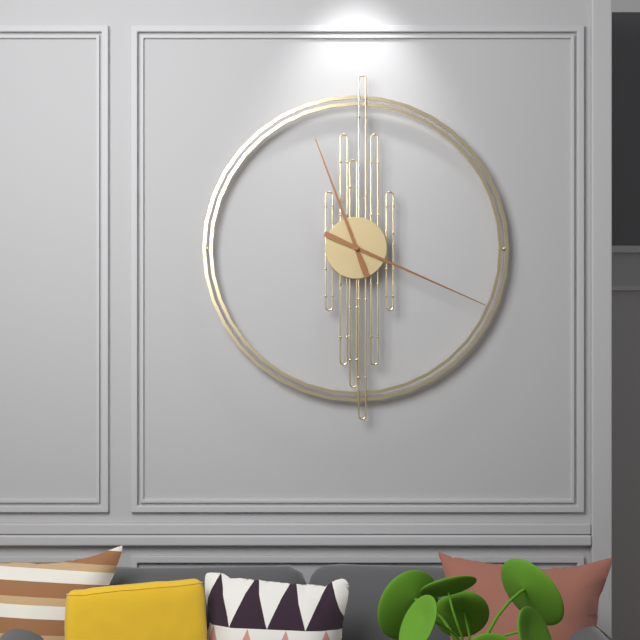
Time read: **11:19**
